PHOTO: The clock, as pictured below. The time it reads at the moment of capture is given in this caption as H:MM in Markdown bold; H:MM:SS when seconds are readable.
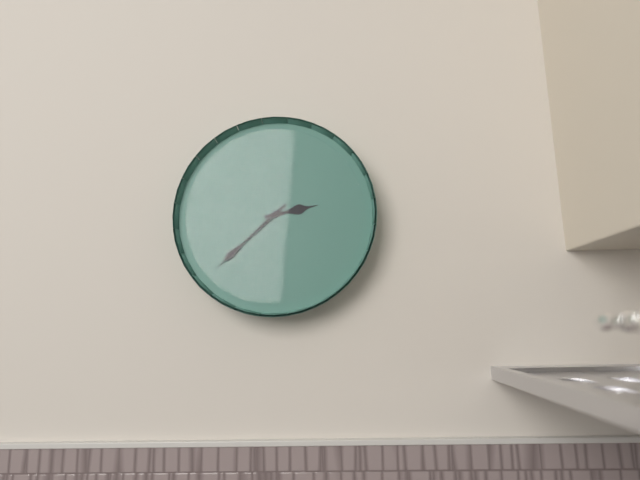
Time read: **2:38**
